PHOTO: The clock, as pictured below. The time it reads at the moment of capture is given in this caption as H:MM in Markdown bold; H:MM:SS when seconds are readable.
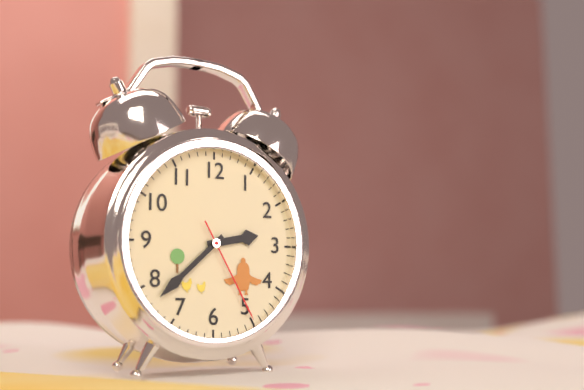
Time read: **2:38:25**
